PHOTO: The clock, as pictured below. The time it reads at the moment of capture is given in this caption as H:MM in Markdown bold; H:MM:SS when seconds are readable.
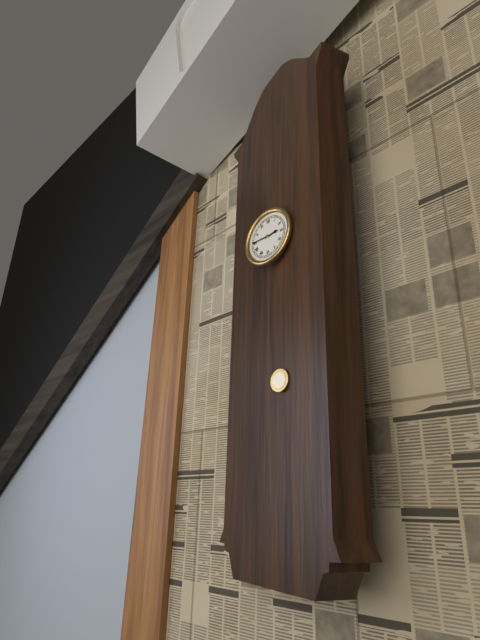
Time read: **2:45**
